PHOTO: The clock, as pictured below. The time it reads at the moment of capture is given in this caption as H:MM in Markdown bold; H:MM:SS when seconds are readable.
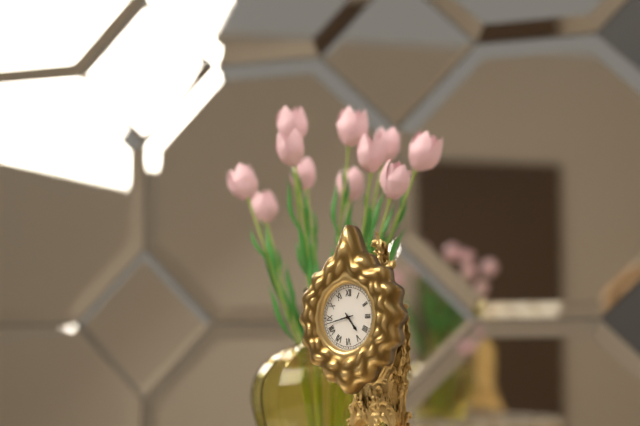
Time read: **4:43**
